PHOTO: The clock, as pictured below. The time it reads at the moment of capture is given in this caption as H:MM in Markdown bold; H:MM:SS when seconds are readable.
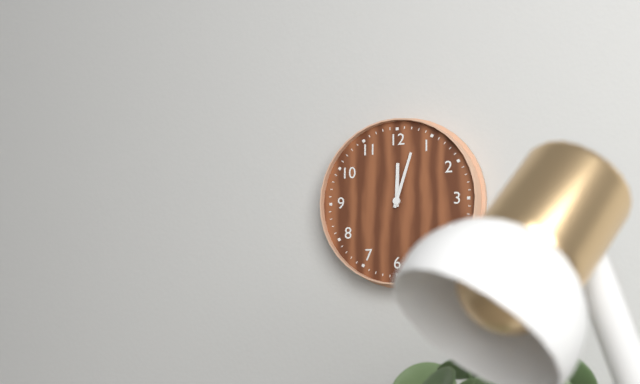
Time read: **12:03**
